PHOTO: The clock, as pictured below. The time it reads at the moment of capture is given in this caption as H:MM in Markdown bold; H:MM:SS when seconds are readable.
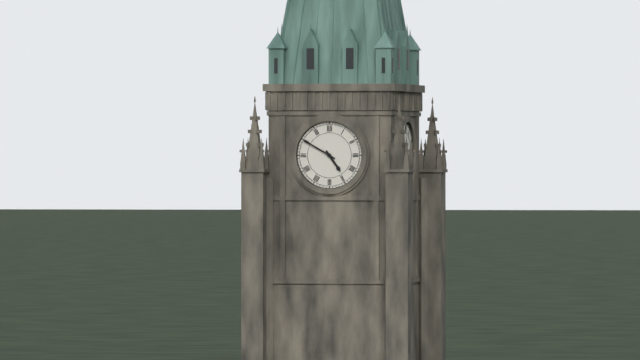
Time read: **4:50**
